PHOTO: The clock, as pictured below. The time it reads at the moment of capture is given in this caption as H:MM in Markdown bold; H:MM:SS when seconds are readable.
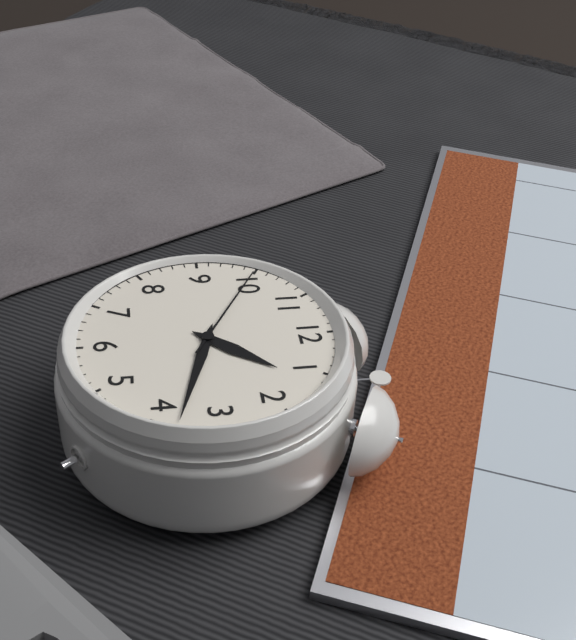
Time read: **1:18:50**
